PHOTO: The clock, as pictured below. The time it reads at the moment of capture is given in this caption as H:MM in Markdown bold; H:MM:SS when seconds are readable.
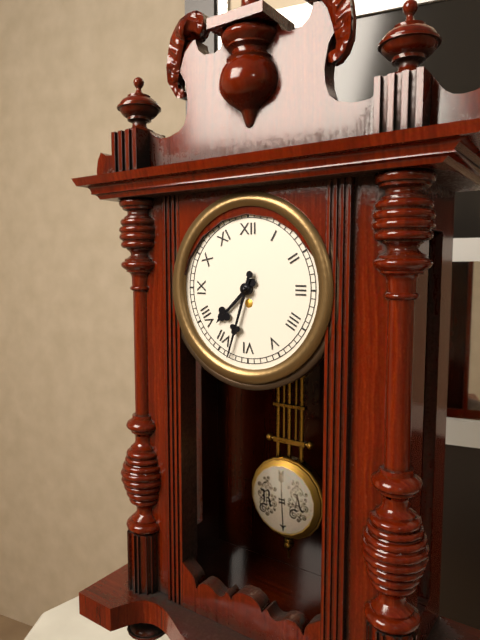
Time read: **7:33**
